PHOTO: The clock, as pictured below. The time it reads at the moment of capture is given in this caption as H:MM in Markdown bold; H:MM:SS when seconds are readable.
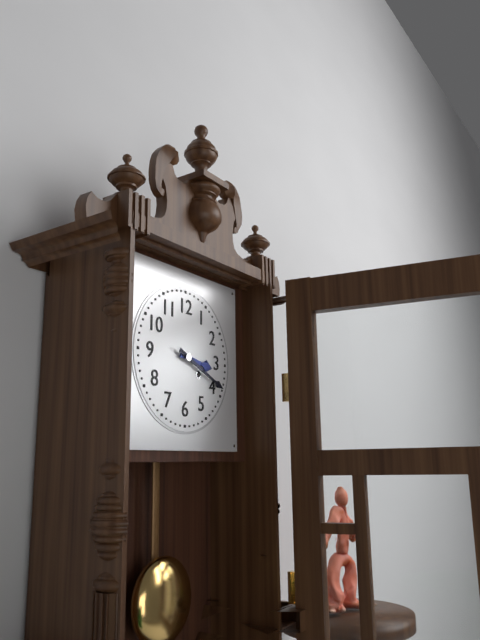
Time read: **3:19**
